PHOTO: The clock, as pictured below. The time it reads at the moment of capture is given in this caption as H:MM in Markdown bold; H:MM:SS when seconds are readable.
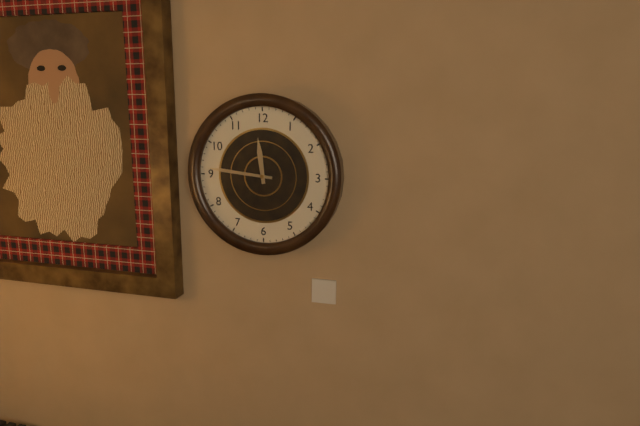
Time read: **11:46**
